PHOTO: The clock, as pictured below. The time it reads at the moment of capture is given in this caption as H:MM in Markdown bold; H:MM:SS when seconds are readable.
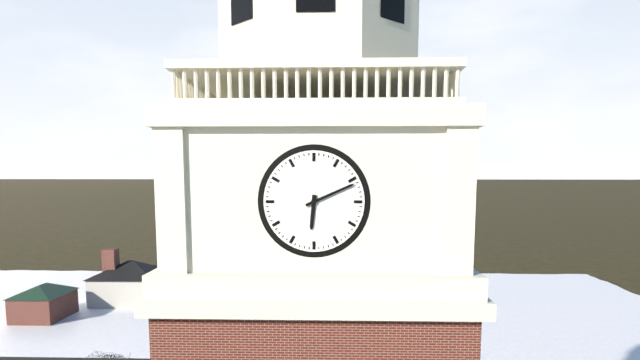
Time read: **6:11**
